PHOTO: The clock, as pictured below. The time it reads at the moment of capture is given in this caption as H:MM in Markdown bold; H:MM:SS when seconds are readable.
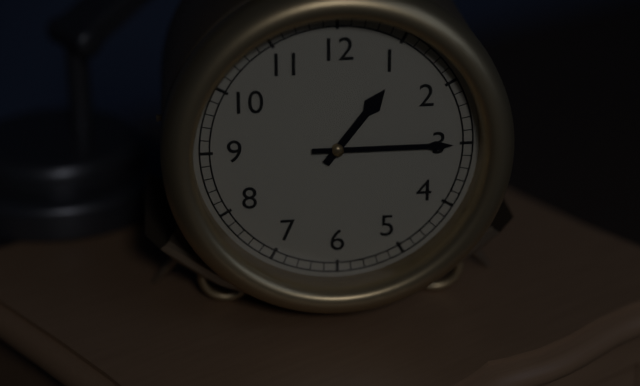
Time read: **1:15**
